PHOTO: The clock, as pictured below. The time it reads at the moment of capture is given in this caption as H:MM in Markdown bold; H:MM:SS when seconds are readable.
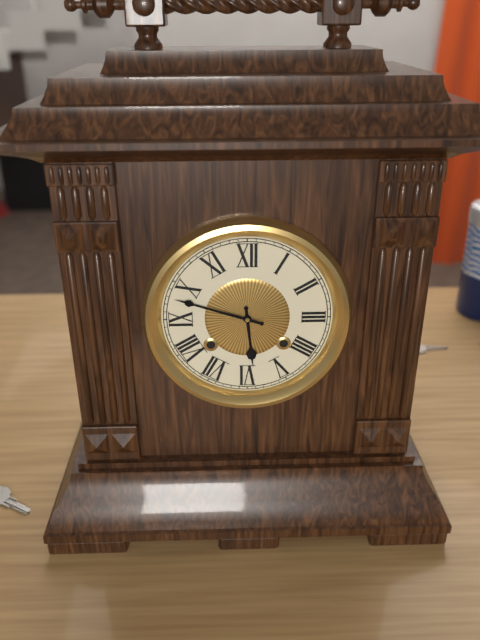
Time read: **5:48**
